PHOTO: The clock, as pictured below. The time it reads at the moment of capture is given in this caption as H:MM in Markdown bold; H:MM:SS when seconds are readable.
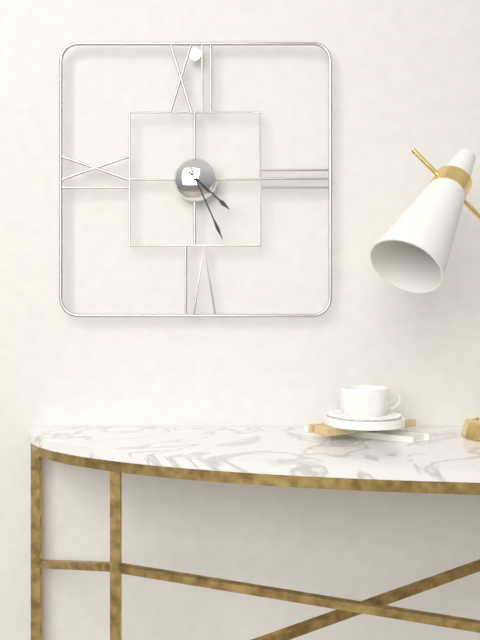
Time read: **4:26**
